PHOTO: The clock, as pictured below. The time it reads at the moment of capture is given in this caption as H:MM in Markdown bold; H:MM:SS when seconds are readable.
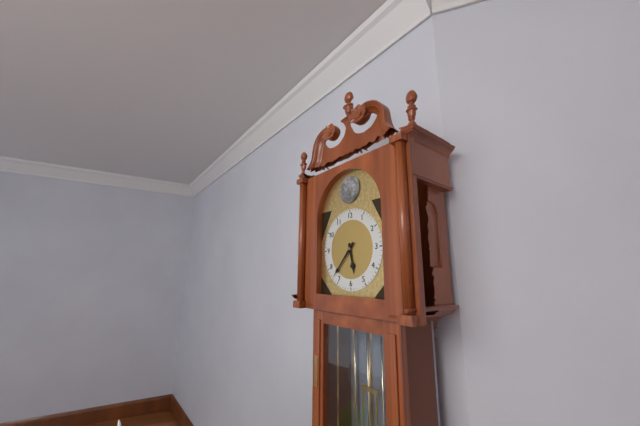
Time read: **5:37**
